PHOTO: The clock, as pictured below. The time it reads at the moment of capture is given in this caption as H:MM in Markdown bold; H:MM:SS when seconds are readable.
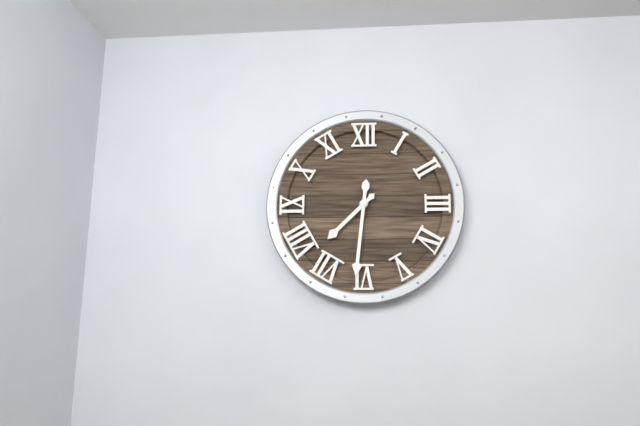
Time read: **7:31**
